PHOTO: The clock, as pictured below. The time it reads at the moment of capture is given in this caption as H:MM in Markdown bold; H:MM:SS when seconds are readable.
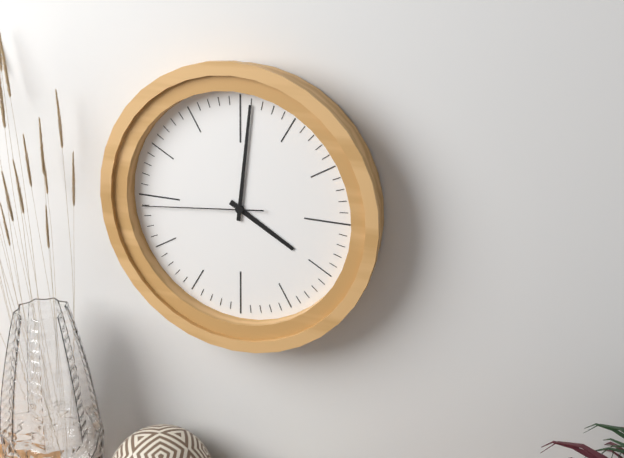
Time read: **4:01:44**
